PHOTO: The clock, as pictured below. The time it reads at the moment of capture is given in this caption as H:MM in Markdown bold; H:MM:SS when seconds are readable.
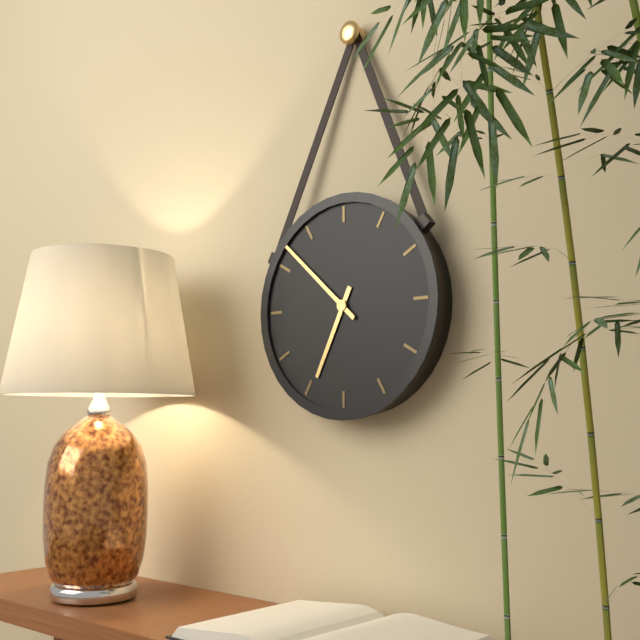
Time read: **6:52**
